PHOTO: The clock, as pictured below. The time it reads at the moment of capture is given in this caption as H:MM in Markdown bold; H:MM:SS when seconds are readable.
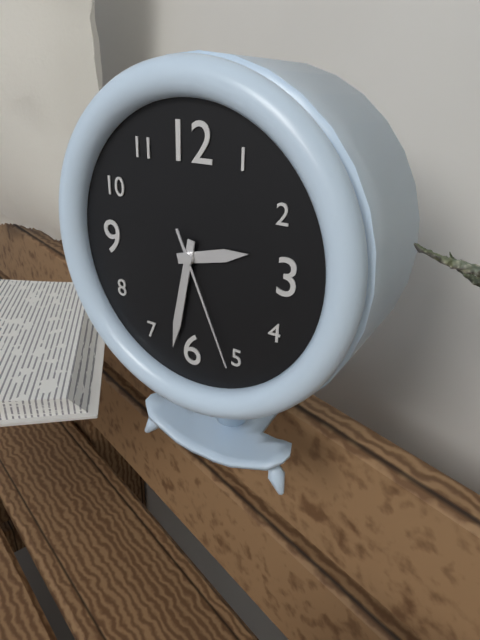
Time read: **2:32:26**
